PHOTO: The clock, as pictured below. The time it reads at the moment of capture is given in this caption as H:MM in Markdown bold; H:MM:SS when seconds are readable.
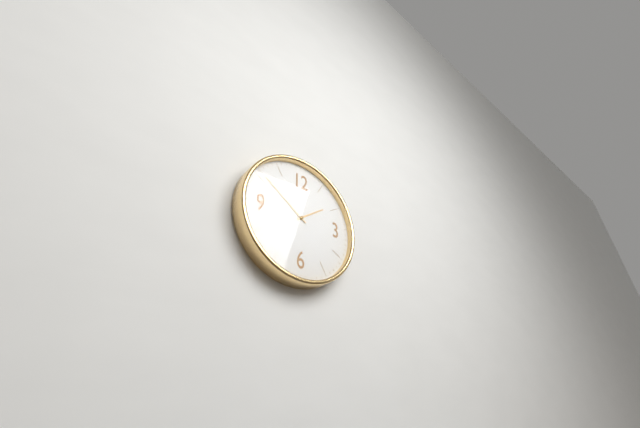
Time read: **1:51**
